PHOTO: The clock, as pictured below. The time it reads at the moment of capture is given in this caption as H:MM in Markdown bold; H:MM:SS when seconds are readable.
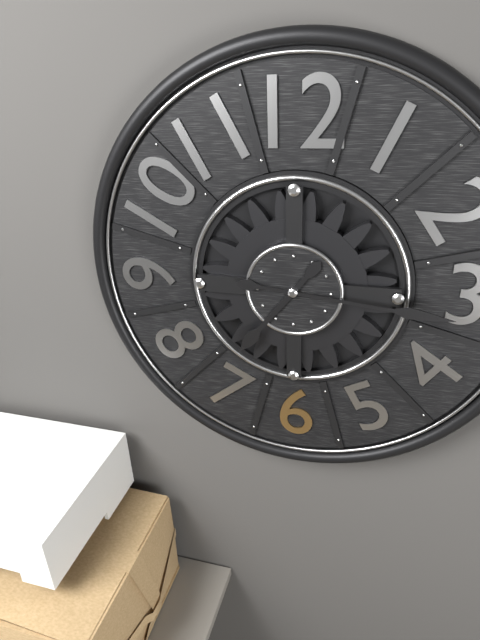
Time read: **7:16**
